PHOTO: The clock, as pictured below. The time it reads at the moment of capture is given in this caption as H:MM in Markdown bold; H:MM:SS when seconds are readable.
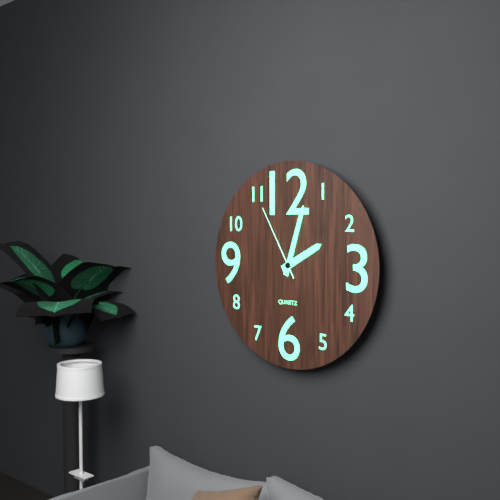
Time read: **2:03:55**
